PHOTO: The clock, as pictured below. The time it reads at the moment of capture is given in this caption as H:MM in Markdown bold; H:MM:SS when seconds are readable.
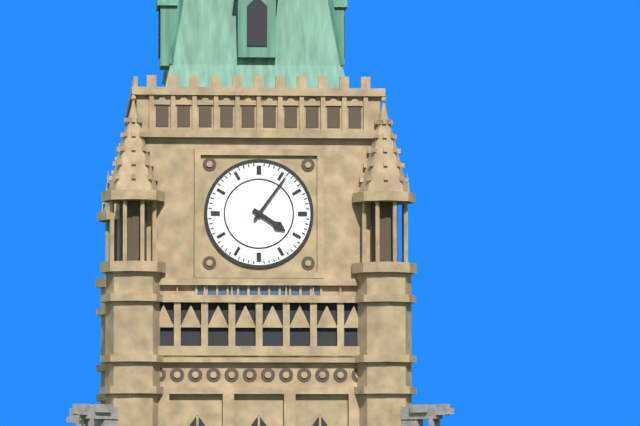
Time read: **4:06**
